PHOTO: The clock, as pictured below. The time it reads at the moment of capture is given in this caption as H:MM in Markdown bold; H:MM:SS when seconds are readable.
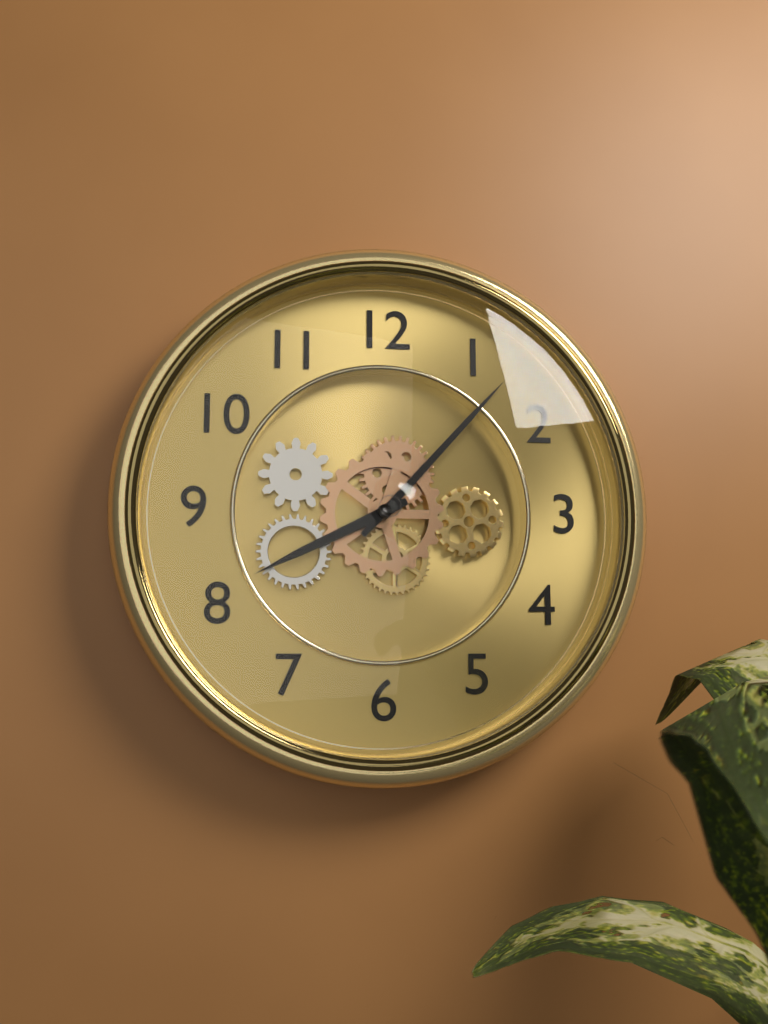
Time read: **8:07**
